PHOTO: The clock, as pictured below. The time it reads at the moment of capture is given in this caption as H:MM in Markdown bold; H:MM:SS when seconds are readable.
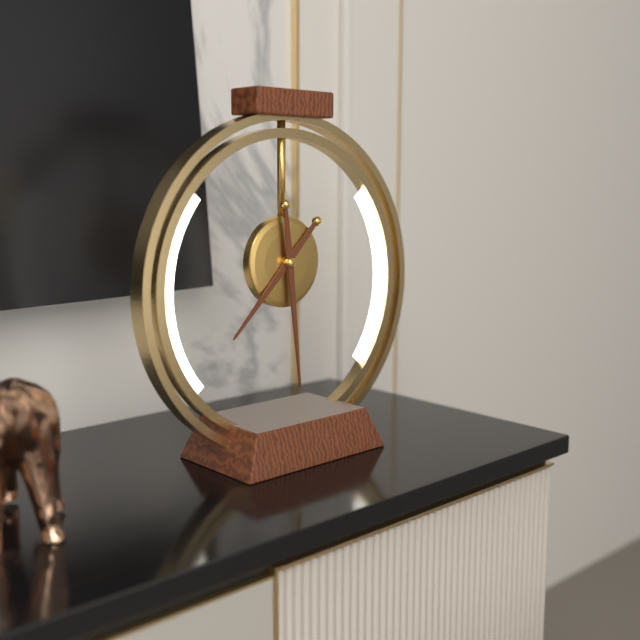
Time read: **7:29**
